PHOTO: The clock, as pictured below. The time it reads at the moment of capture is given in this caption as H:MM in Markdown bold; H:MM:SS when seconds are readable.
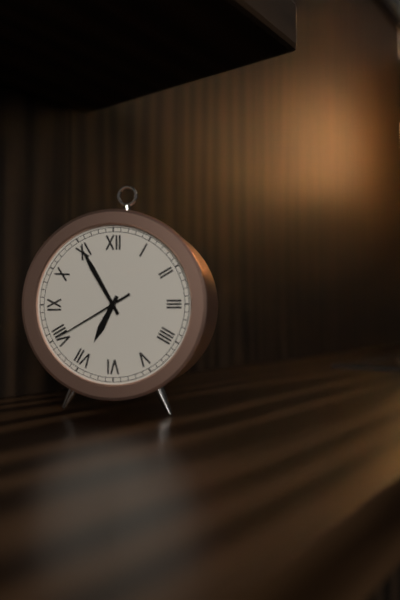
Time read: **6:55:40**
